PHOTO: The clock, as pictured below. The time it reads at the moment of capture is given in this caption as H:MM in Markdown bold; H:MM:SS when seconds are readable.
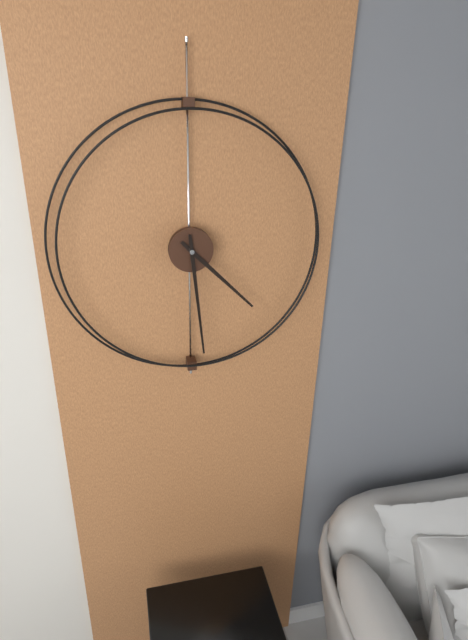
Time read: **4:29**
